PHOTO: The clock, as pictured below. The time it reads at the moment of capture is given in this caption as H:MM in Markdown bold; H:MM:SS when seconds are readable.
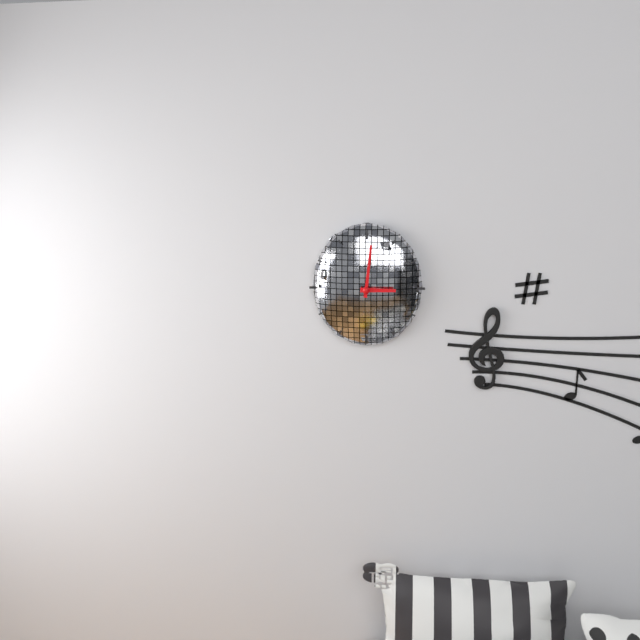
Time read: **3:01**
